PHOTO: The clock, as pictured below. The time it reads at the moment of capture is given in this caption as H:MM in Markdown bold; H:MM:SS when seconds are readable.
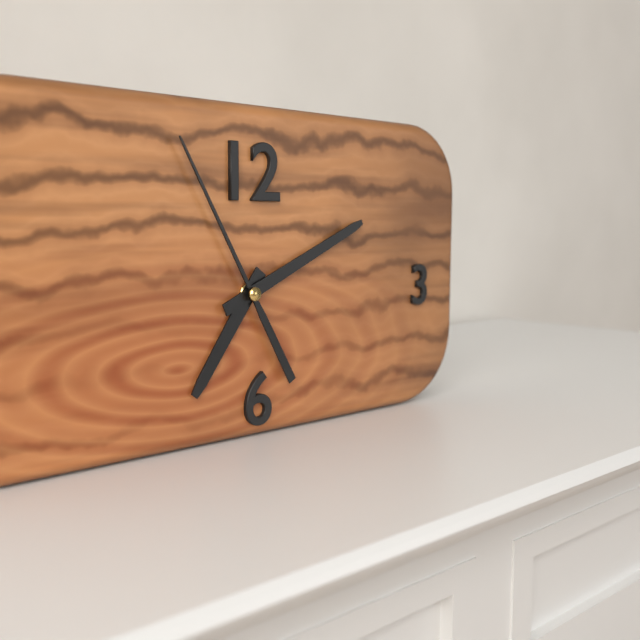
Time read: **7:11:55**
